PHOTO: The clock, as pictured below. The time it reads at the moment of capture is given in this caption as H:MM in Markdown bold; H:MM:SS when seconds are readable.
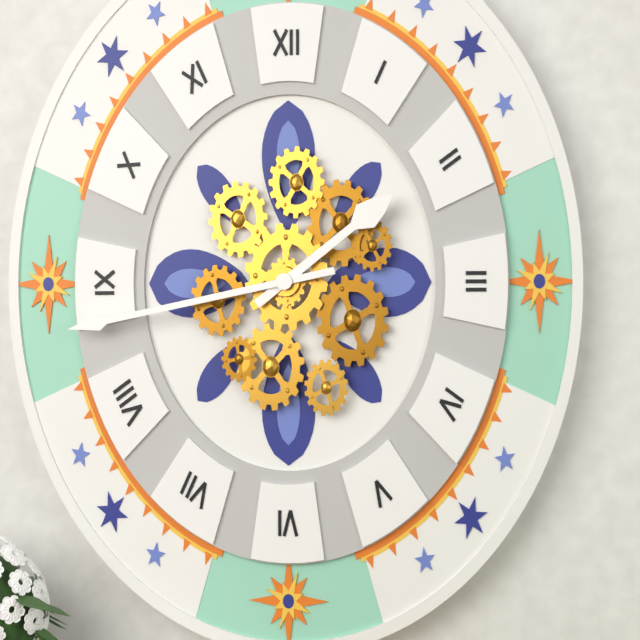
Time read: **1:43**
